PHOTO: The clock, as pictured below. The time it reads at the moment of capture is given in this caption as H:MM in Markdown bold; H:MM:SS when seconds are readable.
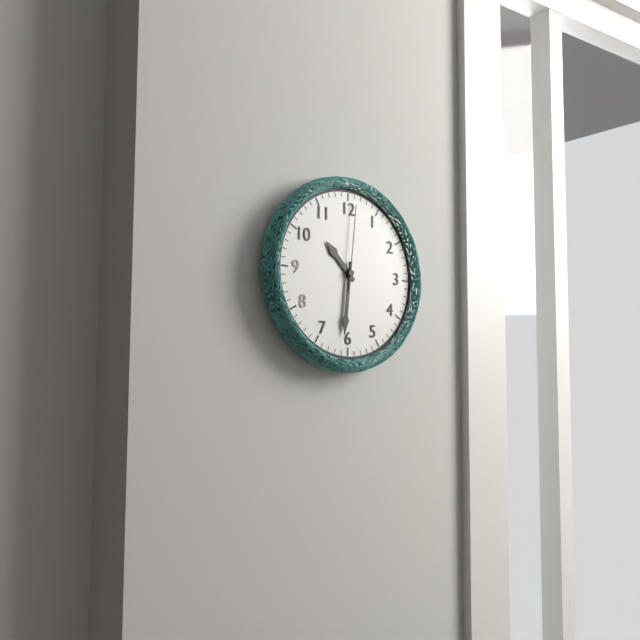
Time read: **10:31:01**
